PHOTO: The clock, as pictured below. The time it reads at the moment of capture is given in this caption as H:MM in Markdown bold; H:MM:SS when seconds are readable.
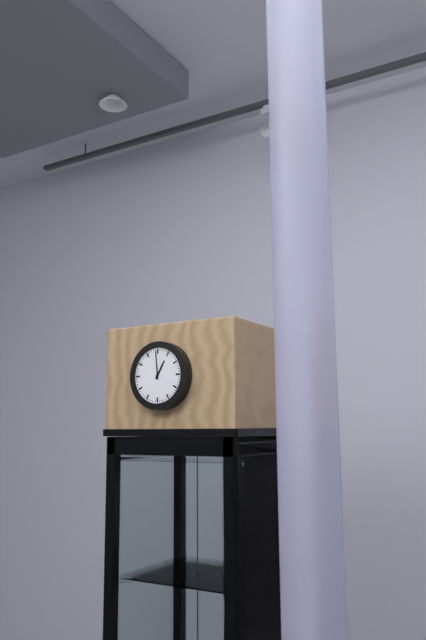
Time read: **12:59**
